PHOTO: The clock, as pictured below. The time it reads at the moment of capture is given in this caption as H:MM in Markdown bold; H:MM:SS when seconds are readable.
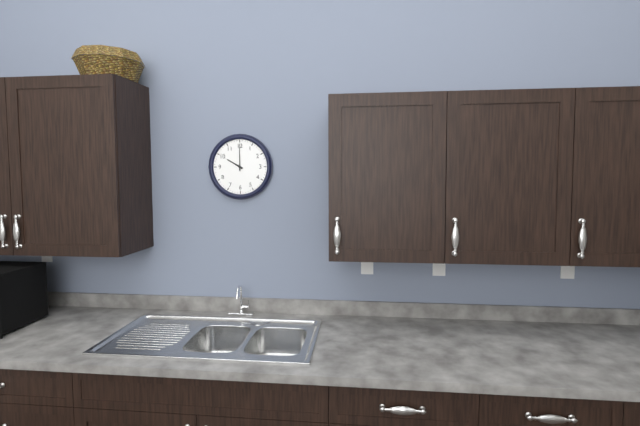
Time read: **10:00**
